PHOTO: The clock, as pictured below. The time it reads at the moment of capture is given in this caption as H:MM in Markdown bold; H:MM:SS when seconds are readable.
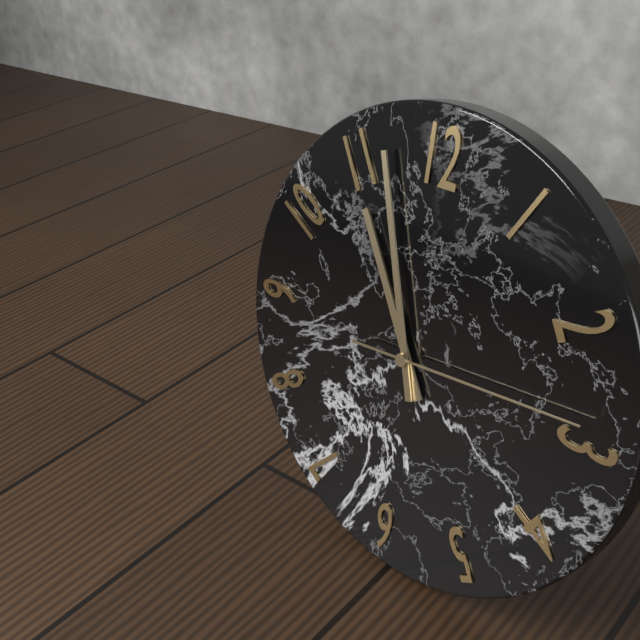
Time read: **10:57:14**
